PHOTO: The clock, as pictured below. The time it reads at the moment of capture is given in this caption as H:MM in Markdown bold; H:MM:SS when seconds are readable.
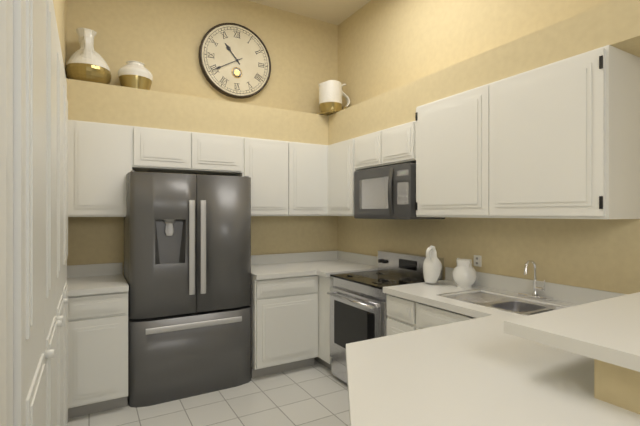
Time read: **10:40**
